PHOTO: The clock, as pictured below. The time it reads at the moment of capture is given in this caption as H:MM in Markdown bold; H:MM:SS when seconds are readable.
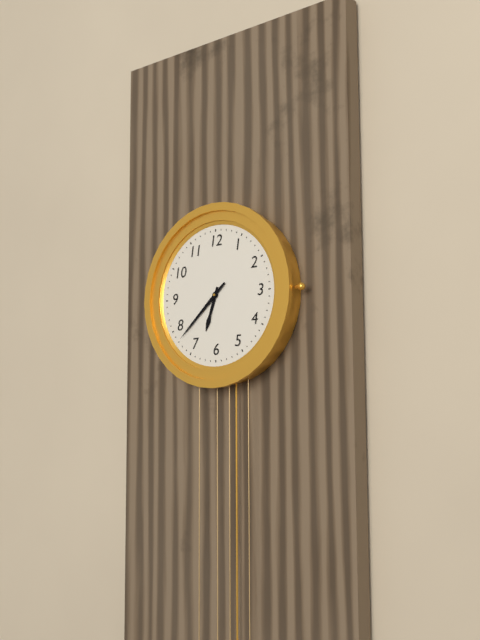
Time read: **6:38**
